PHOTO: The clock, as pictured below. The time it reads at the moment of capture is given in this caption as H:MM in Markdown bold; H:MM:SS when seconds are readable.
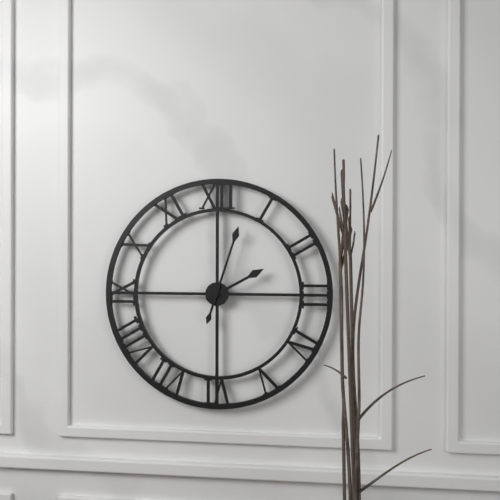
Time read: **2:03**
